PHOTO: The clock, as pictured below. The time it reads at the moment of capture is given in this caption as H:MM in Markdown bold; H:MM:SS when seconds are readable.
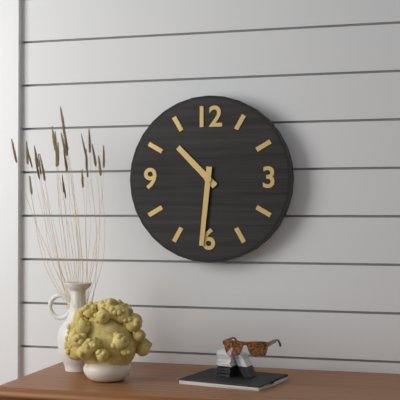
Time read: **10:31**
